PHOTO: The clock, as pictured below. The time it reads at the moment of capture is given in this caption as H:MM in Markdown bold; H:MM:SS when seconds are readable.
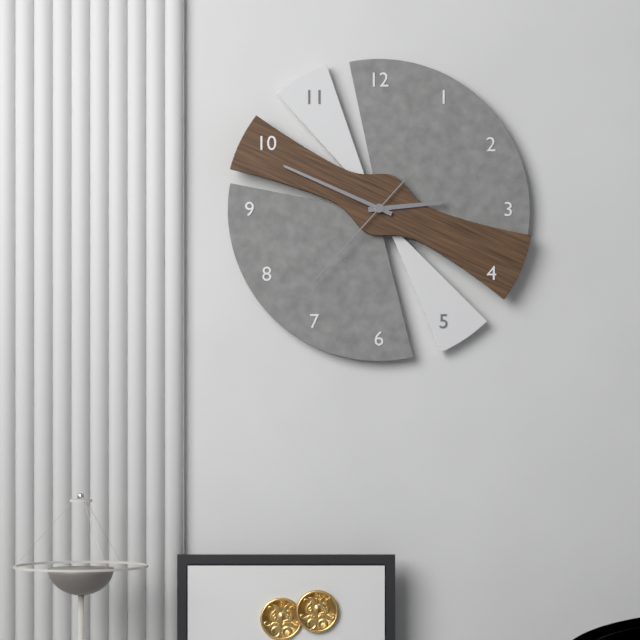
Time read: **2:49:37**
